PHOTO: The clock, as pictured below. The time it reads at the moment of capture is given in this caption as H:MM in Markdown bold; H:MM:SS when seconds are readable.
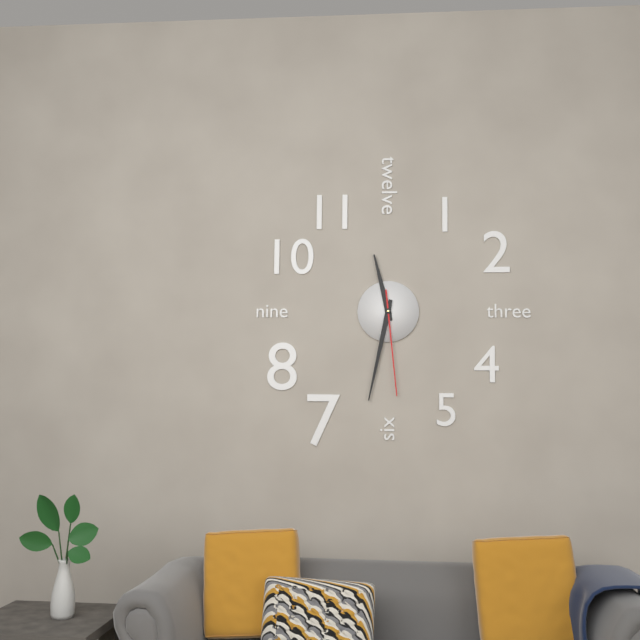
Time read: **11:32:29**
